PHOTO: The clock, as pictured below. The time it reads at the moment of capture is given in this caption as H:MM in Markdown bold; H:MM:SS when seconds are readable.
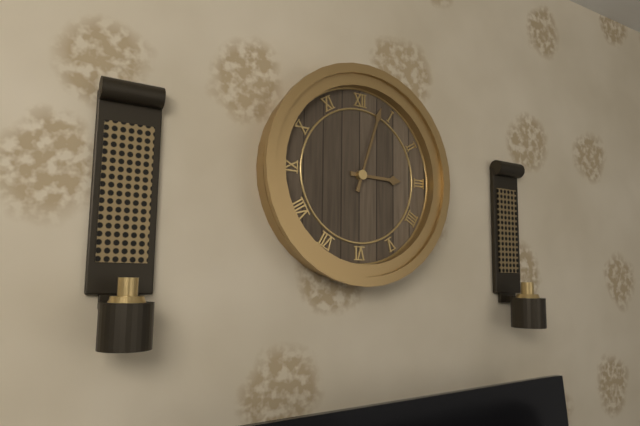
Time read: **3:03**
